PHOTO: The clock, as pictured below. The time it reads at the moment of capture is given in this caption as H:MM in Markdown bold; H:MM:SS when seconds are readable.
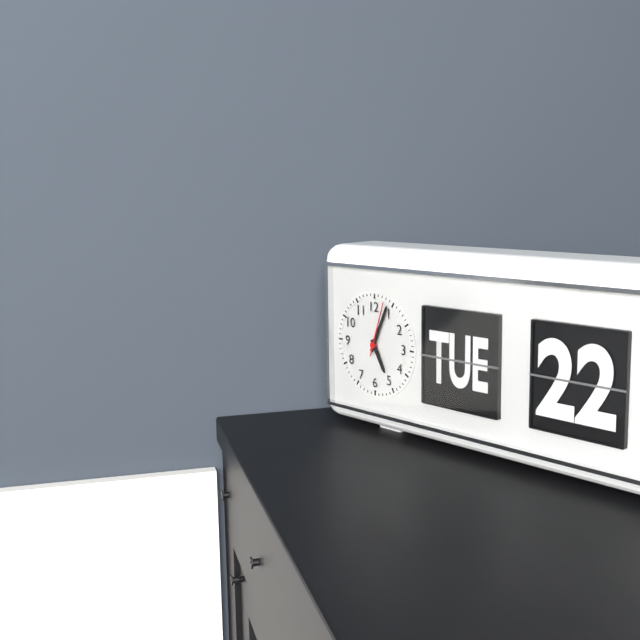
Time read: **5:04:03**
